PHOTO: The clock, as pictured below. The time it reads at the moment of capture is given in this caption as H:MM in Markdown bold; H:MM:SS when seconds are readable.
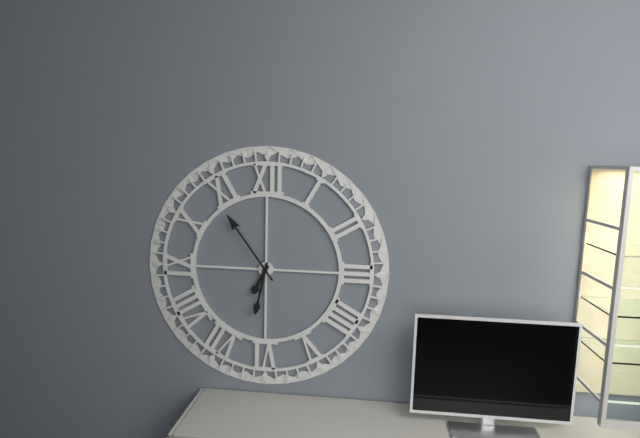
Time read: **6:54:32**
